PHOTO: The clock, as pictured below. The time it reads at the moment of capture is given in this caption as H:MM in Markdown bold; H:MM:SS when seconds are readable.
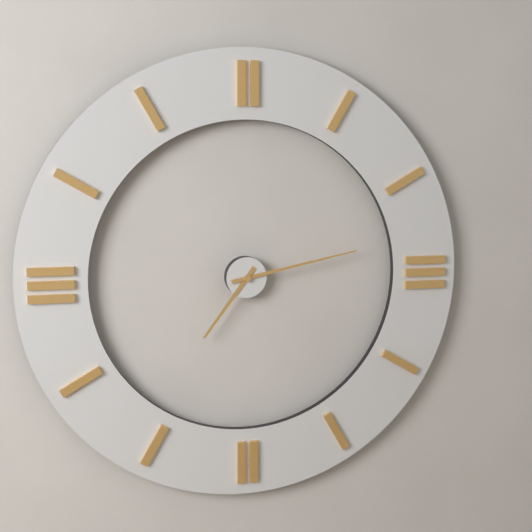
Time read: **7:13**
